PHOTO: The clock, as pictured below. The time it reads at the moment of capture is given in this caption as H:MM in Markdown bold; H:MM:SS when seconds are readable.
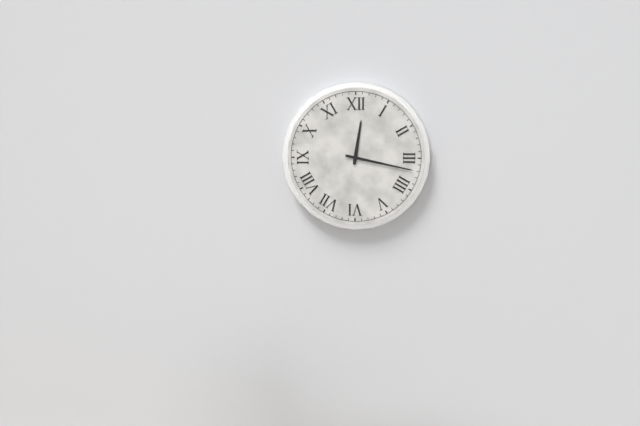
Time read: **12:17**
